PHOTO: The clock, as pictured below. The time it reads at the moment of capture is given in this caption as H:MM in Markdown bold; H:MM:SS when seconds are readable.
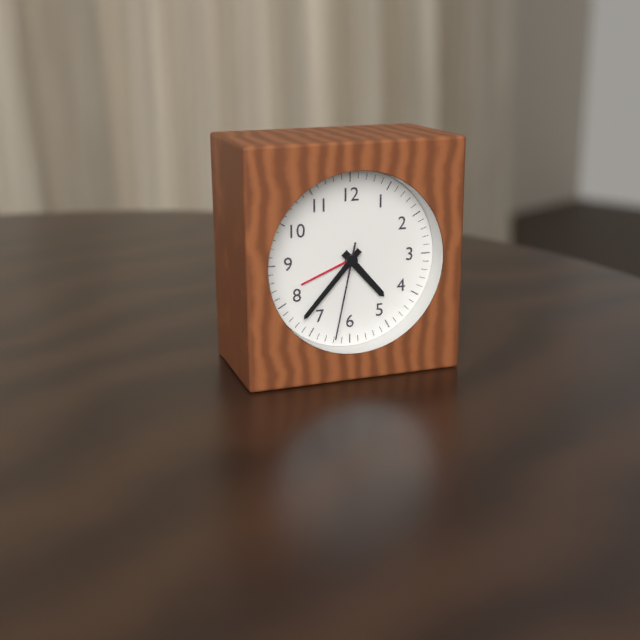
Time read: **4:37:32**
